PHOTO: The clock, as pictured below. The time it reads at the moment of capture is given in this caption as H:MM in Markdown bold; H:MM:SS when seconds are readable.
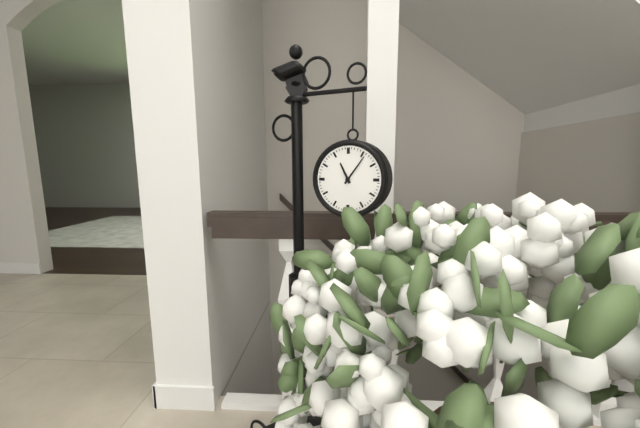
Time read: **11:06**
